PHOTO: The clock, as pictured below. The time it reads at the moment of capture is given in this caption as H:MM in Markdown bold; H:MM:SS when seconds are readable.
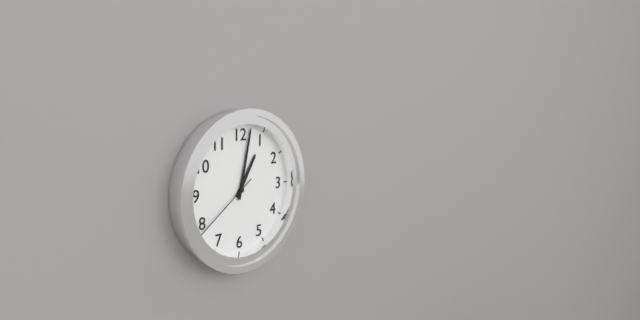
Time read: **1:02:39**
